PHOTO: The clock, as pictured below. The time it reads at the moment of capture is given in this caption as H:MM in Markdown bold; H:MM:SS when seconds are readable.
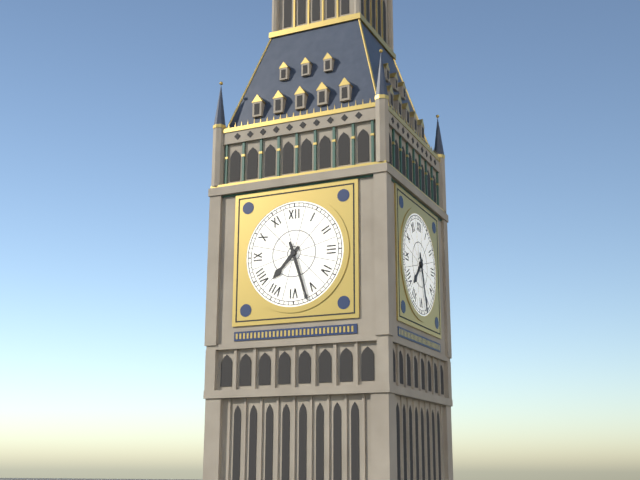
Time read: **7:27**
